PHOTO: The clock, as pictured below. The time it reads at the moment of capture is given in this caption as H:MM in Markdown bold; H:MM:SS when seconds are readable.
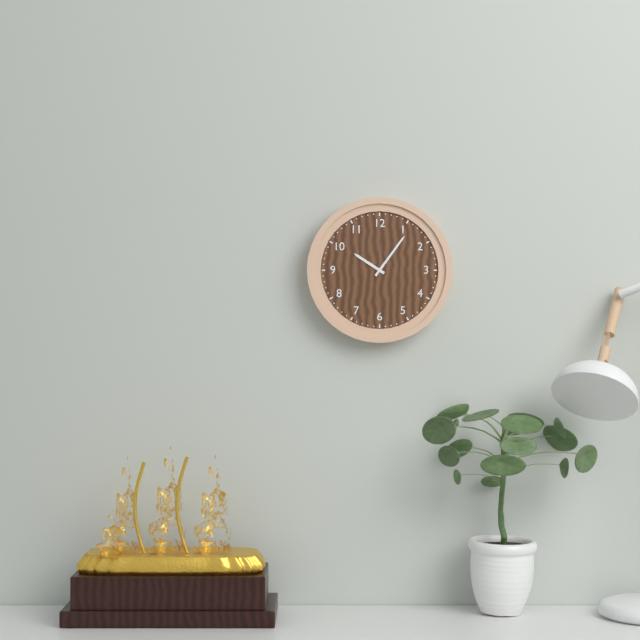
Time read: **10:06**
